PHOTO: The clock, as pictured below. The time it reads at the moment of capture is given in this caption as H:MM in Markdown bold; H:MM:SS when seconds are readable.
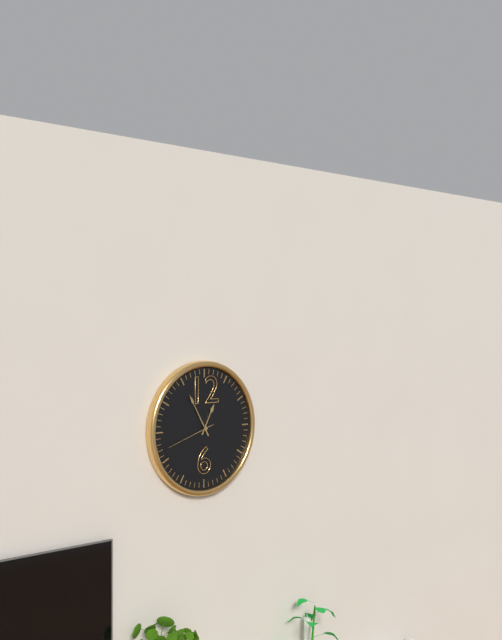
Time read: **12:55:42**
